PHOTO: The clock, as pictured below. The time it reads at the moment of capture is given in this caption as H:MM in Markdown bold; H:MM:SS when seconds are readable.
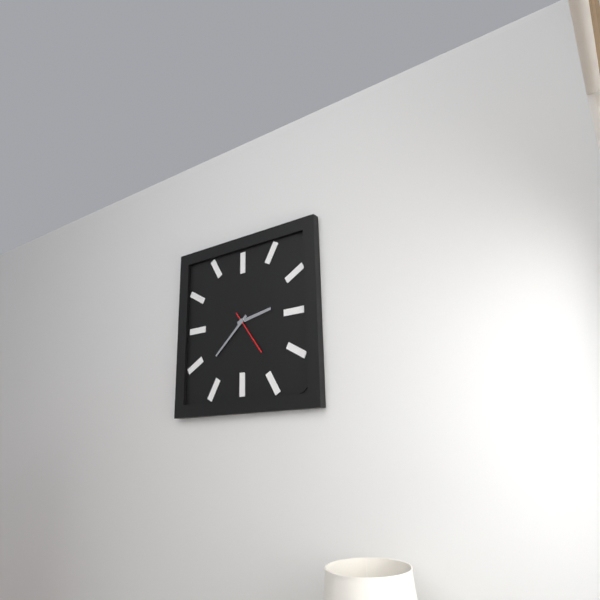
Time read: **2:38**
